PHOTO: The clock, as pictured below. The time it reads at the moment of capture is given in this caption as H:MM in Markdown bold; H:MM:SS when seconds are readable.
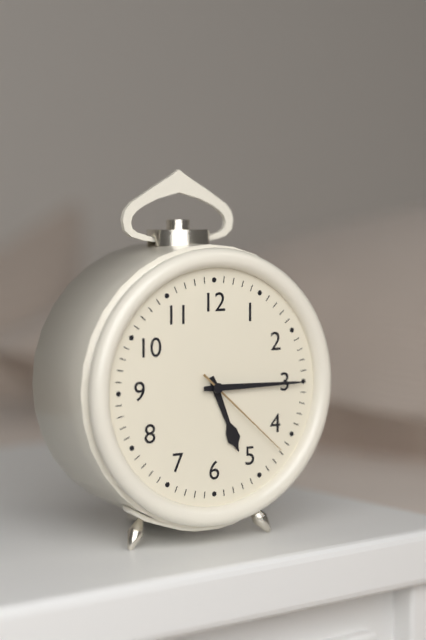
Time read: **5:15:22**
